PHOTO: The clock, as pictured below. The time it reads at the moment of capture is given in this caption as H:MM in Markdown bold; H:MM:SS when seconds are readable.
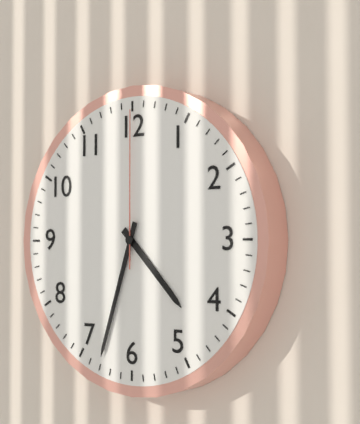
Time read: **4:33:00**
